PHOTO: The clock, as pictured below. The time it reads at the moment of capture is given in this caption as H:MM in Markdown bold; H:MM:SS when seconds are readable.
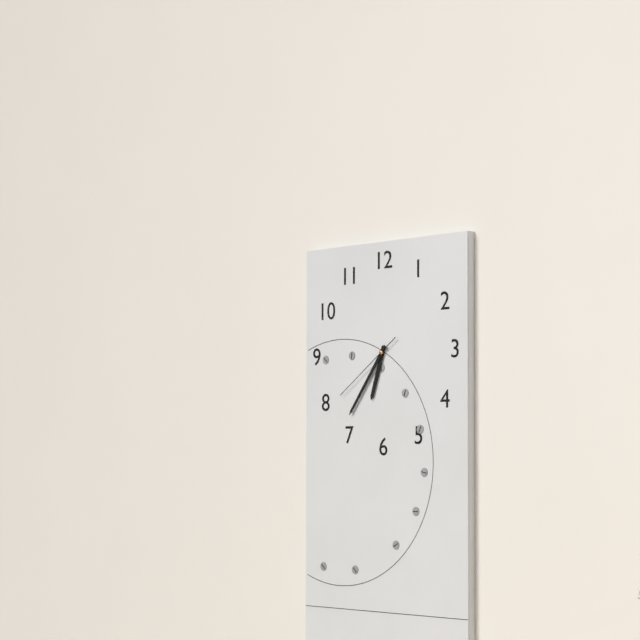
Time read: **6:36:39**
